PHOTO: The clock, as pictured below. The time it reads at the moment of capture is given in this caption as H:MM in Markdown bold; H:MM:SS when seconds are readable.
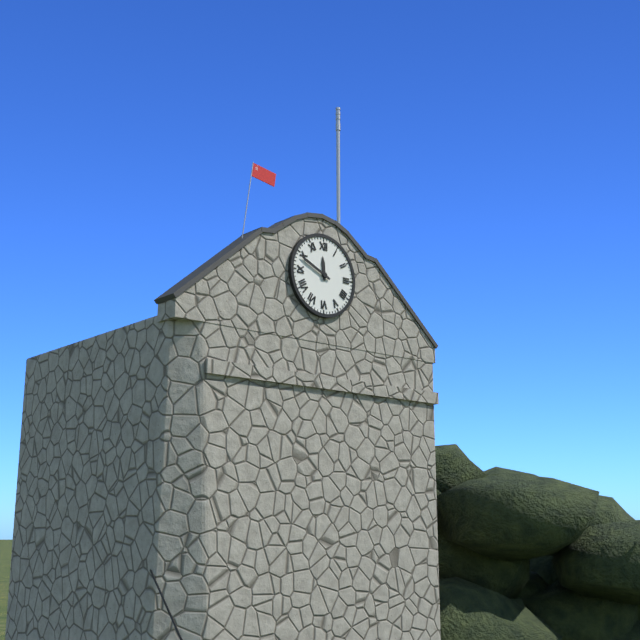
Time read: **11:49**
